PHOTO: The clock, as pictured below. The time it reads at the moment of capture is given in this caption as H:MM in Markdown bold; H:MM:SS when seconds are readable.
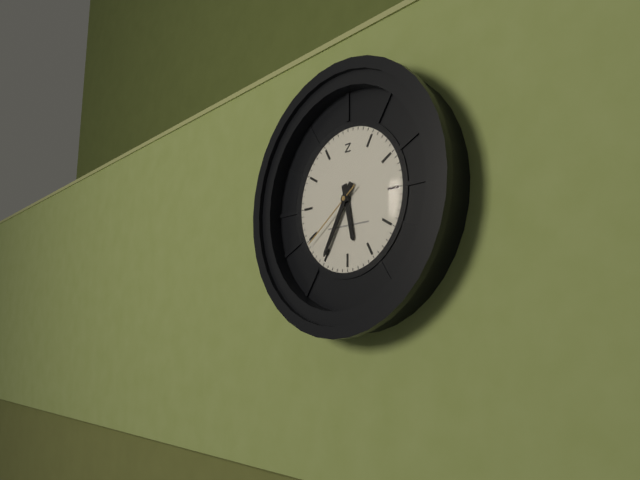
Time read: **5:35:39**
